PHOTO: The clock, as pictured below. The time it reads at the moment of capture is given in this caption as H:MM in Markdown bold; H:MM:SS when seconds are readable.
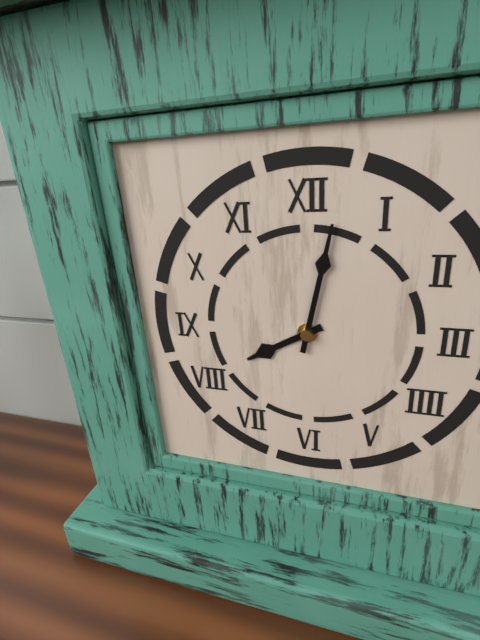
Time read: **8:02**
